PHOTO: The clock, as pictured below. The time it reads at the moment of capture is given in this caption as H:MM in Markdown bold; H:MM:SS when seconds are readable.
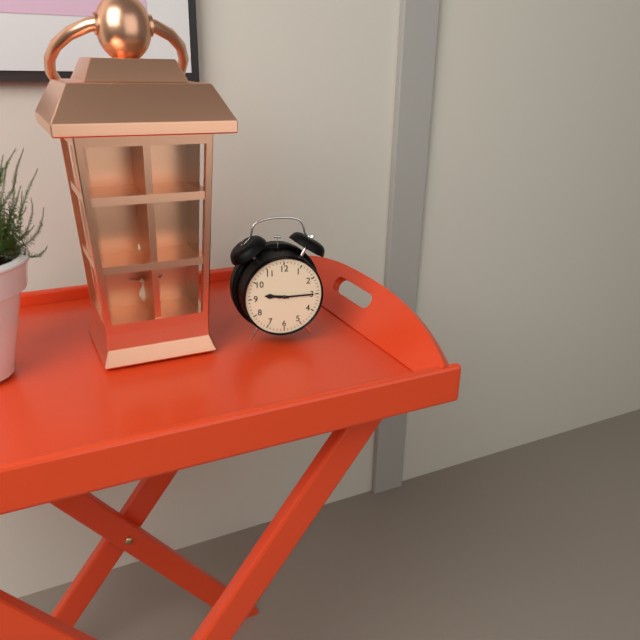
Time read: **9:15**
